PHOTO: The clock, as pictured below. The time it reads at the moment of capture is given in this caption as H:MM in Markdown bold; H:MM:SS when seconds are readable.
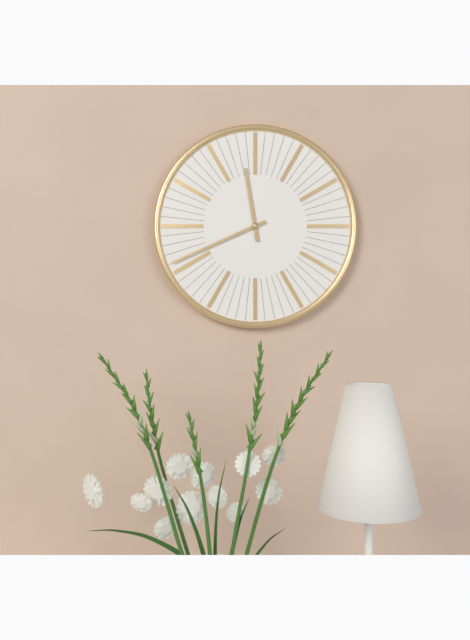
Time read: **11:41**
